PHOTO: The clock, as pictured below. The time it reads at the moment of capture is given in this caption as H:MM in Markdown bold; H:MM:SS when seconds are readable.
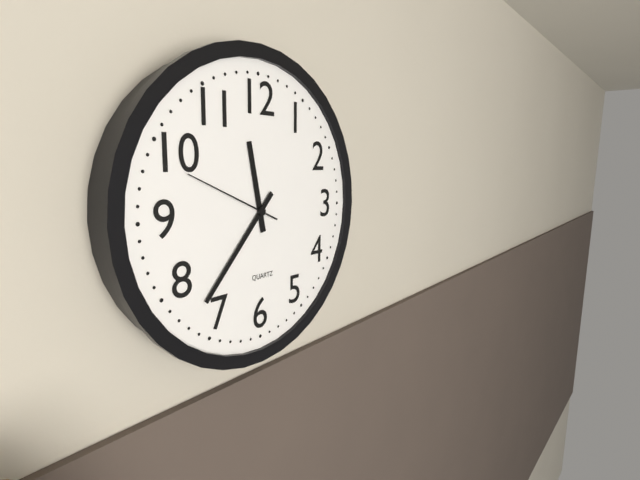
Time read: **11:37:49**
